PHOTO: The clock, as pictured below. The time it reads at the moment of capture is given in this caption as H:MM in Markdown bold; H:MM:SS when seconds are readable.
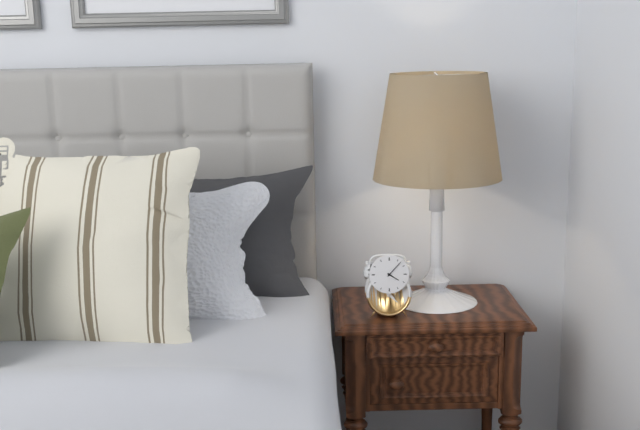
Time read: **4:07**
